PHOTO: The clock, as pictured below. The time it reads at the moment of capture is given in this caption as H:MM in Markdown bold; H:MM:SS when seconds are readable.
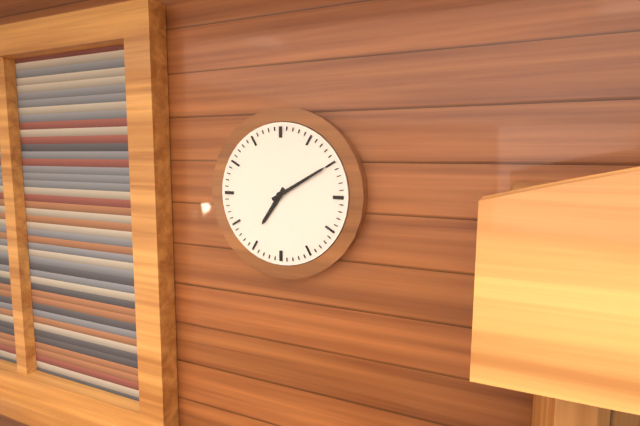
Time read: **7:10**
